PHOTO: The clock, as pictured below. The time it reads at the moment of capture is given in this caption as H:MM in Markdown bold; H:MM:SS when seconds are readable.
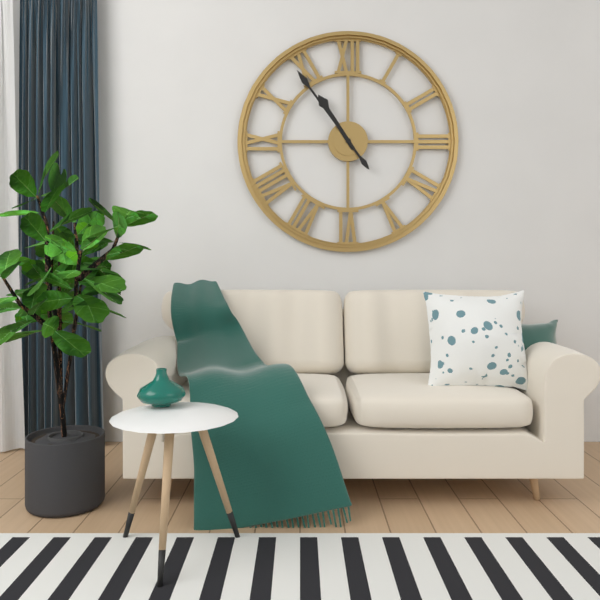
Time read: **10:54**
